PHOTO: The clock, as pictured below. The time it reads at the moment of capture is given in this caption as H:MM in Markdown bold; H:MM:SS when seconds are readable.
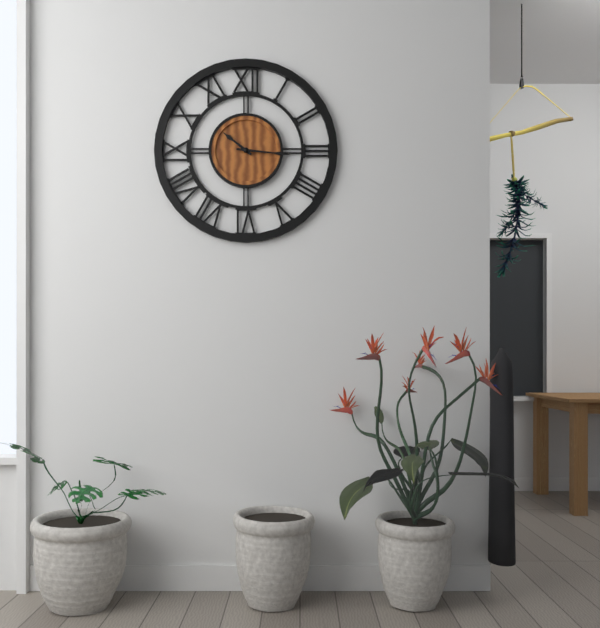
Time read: **10:16**
